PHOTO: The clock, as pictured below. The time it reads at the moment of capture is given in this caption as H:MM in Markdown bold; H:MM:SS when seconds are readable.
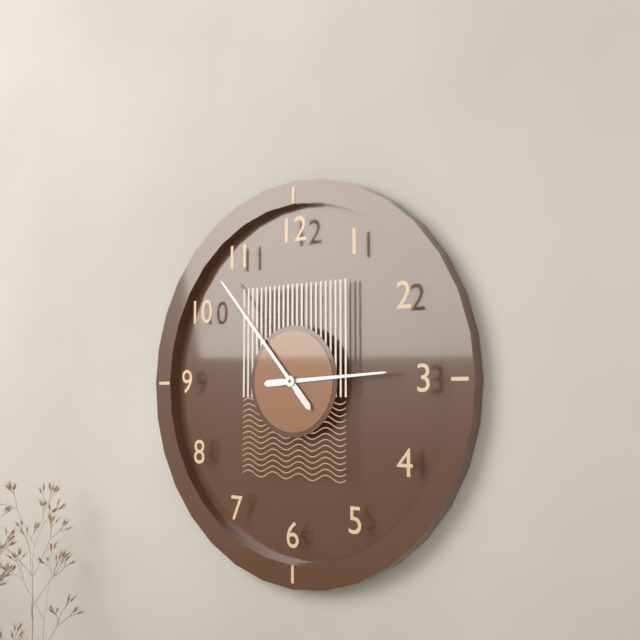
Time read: **2:53**
